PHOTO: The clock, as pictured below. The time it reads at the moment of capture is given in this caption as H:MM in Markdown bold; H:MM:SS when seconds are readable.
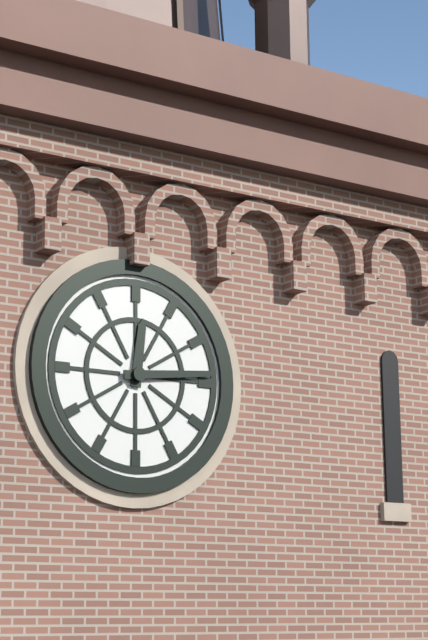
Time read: **12:14**
